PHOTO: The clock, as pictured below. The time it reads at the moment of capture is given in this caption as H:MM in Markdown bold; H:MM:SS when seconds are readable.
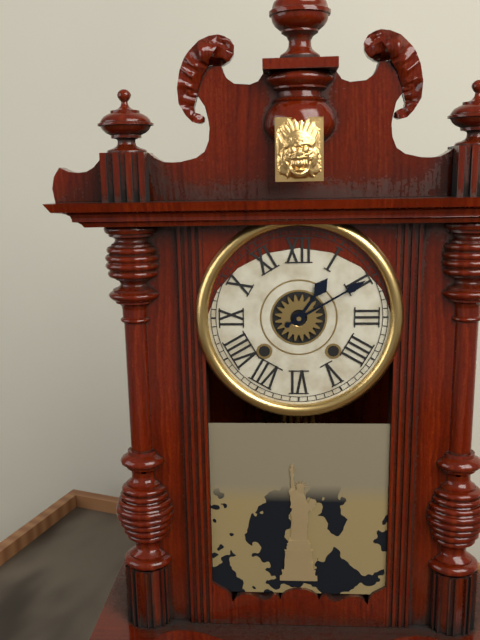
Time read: **1:10**
